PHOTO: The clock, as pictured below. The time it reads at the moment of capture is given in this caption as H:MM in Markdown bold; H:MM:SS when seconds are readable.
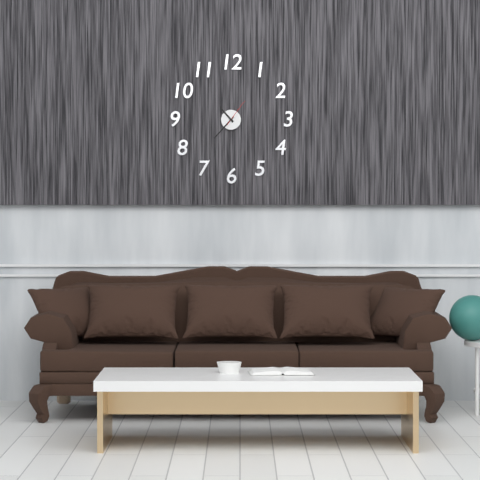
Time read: **10:37**
